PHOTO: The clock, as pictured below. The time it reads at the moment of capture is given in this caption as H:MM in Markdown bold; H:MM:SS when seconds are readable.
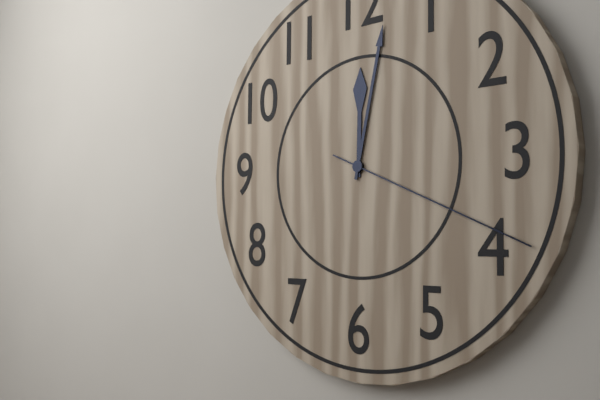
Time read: **12:02:19**
